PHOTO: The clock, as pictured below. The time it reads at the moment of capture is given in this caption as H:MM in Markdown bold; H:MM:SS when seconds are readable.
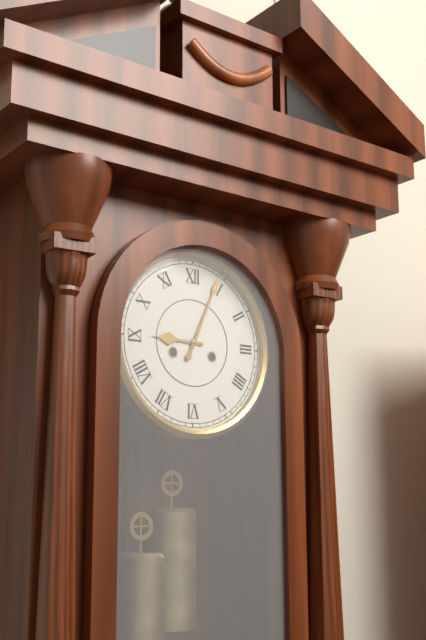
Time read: **9:04**
